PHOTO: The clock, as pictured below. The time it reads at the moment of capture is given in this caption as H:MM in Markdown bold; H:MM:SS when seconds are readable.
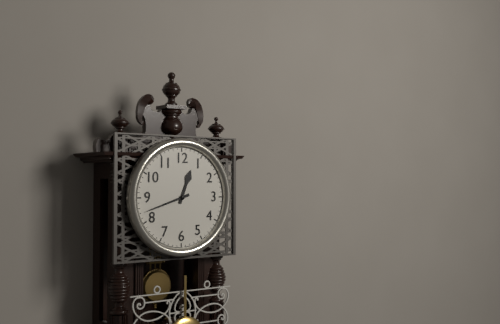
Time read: **12:42**
